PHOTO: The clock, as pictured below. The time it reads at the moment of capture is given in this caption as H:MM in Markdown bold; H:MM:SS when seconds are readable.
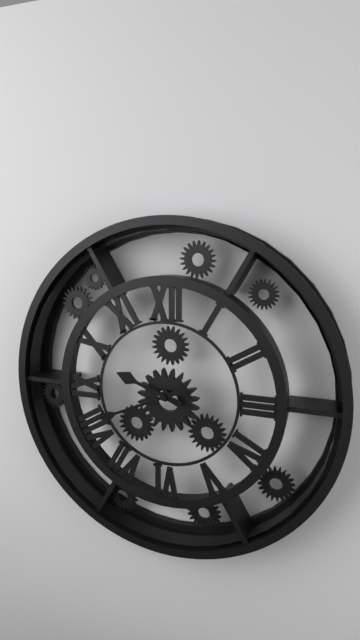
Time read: **9:41**
